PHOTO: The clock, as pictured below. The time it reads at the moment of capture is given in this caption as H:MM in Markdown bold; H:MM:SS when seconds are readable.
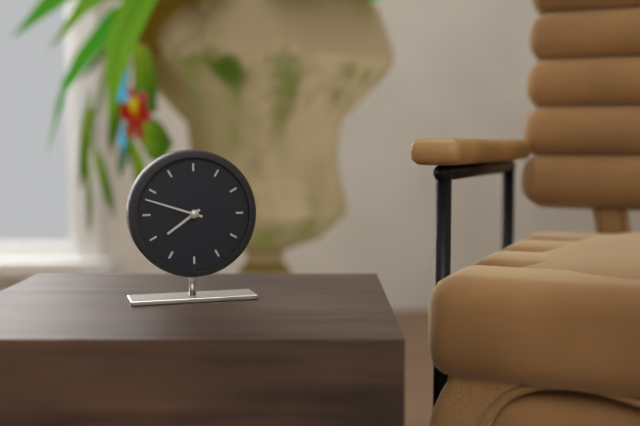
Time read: **7:48**
